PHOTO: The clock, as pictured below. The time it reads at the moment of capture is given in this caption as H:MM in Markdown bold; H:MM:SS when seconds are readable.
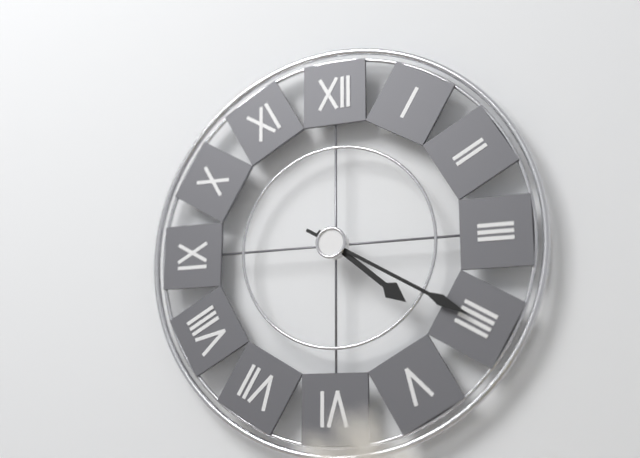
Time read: **4:20**
